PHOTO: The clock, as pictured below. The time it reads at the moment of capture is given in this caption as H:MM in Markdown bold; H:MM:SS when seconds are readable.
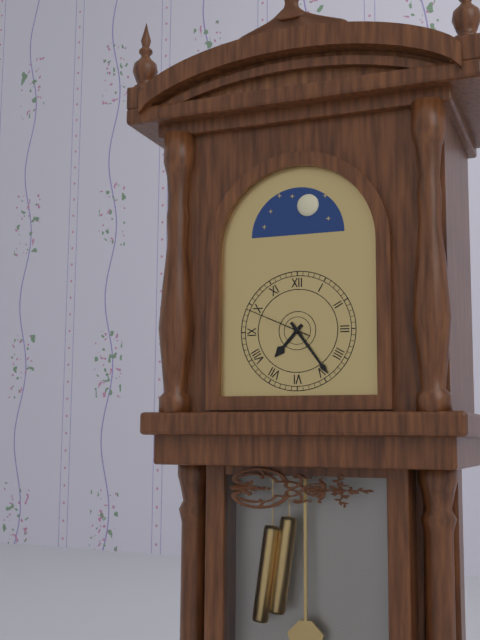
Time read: **7:24:49**
